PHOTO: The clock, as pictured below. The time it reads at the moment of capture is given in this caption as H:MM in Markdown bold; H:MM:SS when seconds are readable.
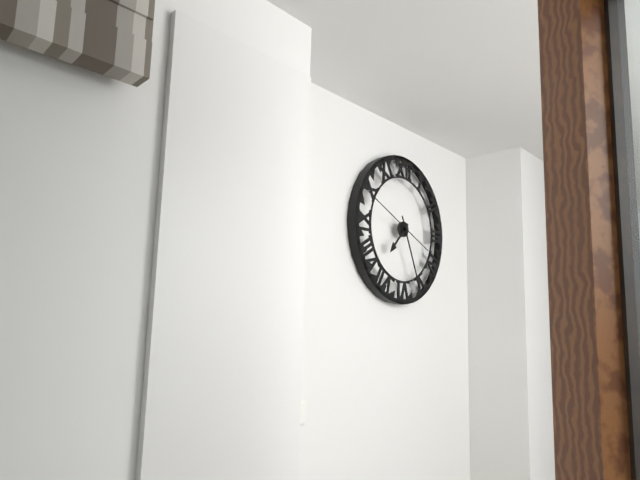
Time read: **7:26:49**
